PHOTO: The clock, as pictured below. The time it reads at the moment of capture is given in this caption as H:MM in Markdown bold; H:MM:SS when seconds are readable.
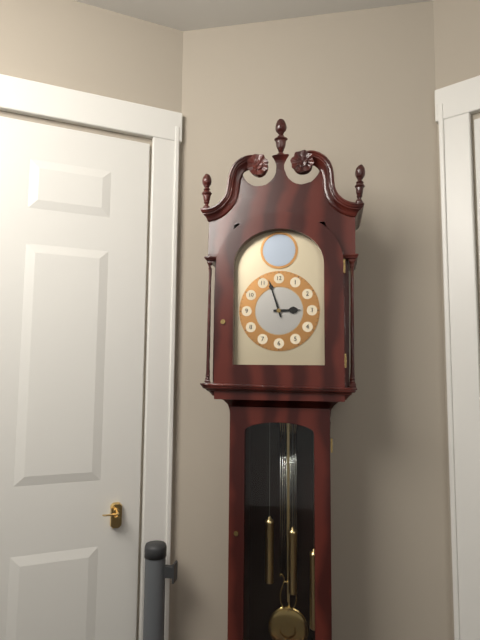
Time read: **2:57**
